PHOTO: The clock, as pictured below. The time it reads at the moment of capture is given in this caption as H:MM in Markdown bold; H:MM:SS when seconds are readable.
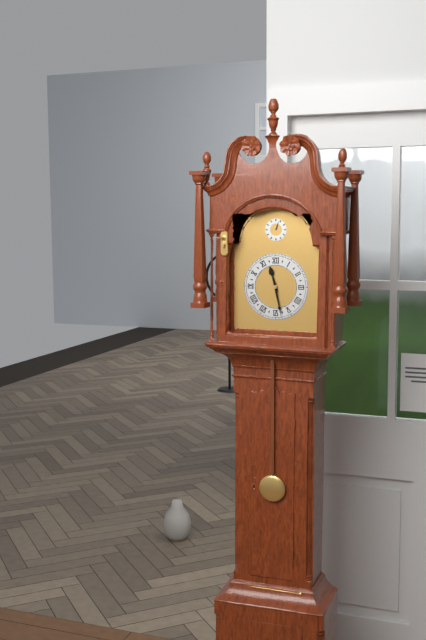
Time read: **11:28**
